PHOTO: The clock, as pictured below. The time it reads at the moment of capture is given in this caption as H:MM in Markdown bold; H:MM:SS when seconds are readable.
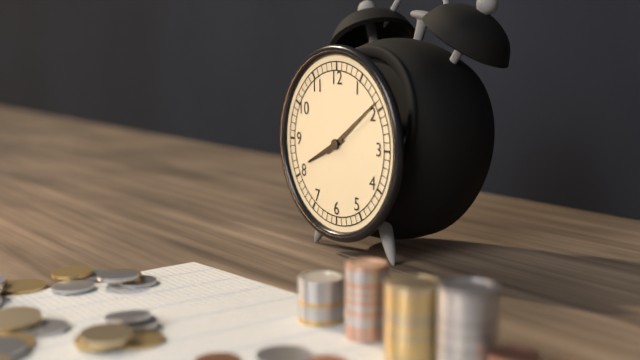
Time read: **8:09**
